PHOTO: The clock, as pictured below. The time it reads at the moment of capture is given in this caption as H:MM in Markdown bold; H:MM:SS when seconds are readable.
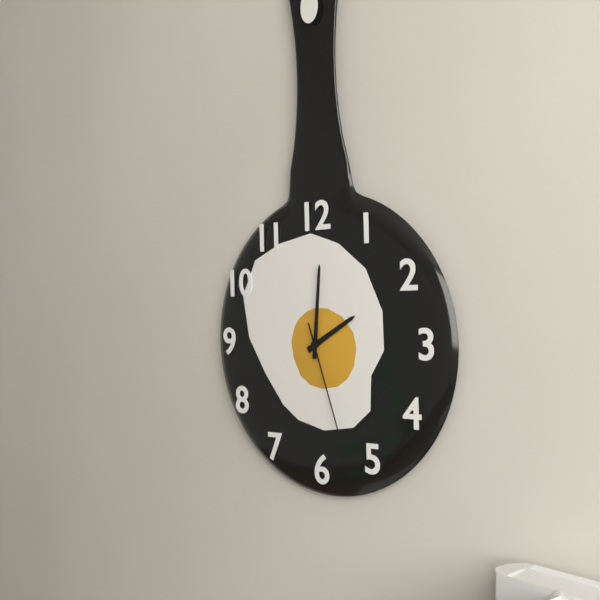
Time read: **2:01:27**
